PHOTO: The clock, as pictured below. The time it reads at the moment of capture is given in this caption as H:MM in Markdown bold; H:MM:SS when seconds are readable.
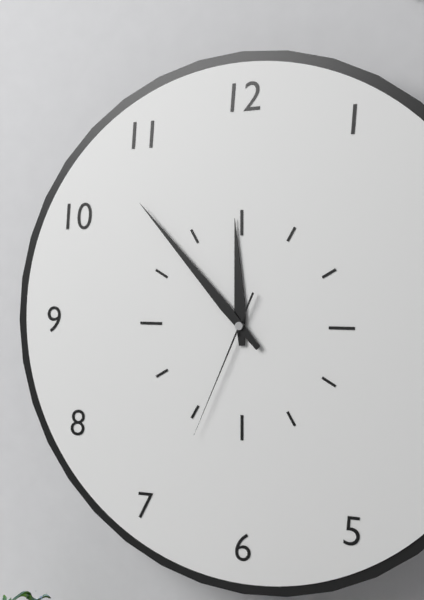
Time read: **11:53:34**
